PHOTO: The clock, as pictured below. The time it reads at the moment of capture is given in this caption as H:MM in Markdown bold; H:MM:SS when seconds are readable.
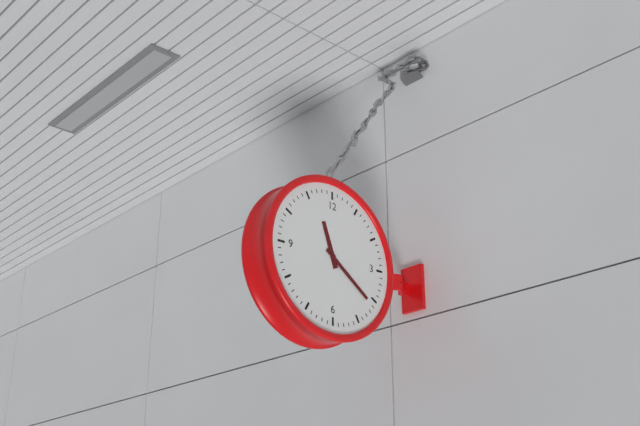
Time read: **11:21**
